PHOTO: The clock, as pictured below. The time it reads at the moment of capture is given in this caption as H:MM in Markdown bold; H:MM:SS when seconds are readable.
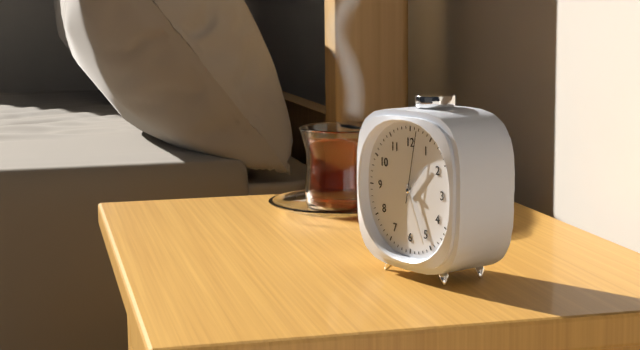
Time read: **1:26:02**
